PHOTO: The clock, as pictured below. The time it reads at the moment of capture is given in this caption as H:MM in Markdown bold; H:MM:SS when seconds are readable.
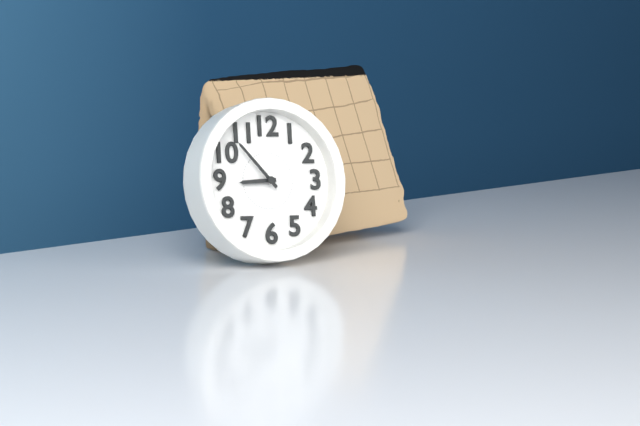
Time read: **8:53**
